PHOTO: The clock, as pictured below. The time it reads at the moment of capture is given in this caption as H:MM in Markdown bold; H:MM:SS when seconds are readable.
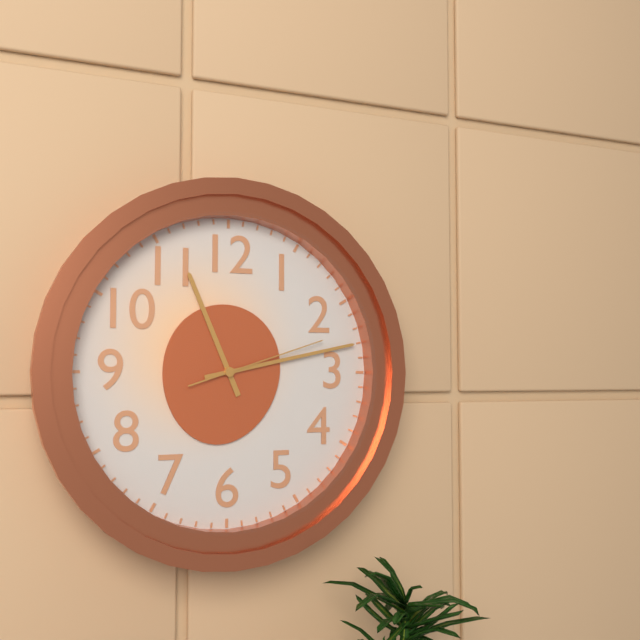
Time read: **11:13:12**
